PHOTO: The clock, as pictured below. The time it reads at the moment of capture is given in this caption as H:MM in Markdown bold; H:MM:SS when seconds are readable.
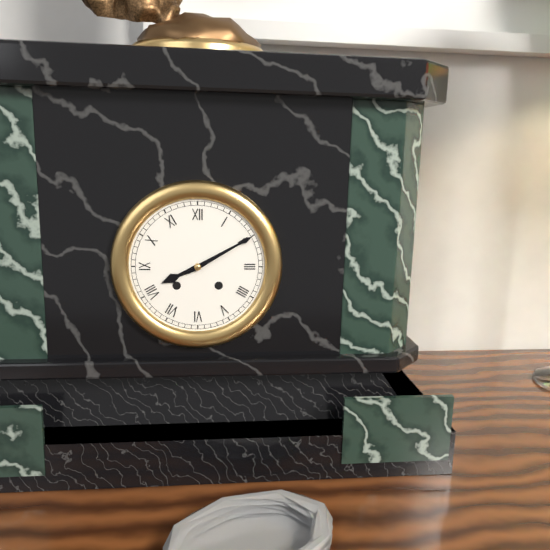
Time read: **8:10**
